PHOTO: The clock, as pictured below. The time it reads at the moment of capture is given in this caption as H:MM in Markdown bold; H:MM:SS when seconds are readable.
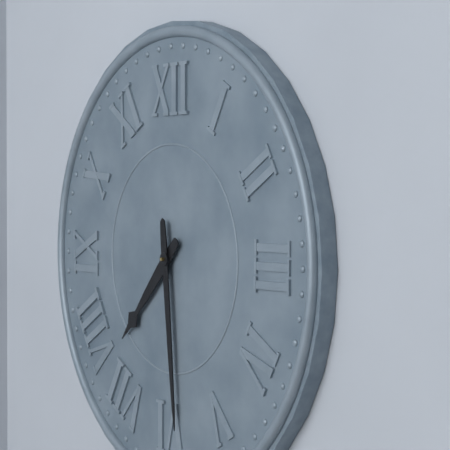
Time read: **7:29**
